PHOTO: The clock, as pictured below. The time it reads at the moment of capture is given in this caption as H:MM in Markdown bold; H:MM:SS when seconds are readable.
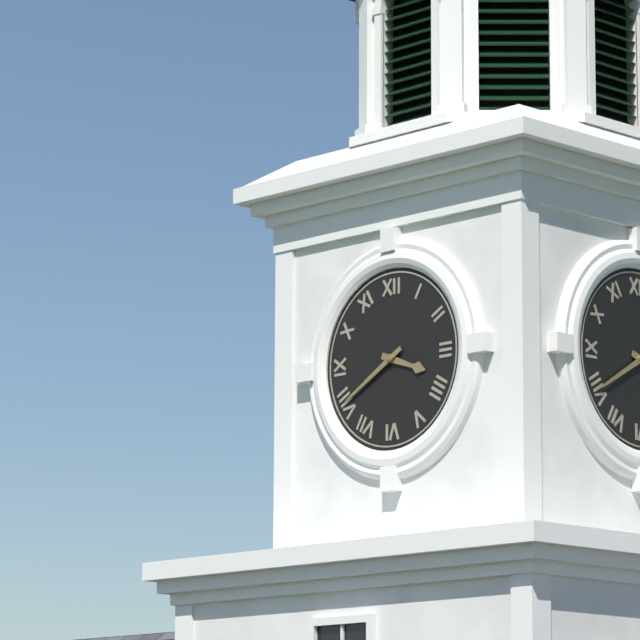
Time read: **3:40**
